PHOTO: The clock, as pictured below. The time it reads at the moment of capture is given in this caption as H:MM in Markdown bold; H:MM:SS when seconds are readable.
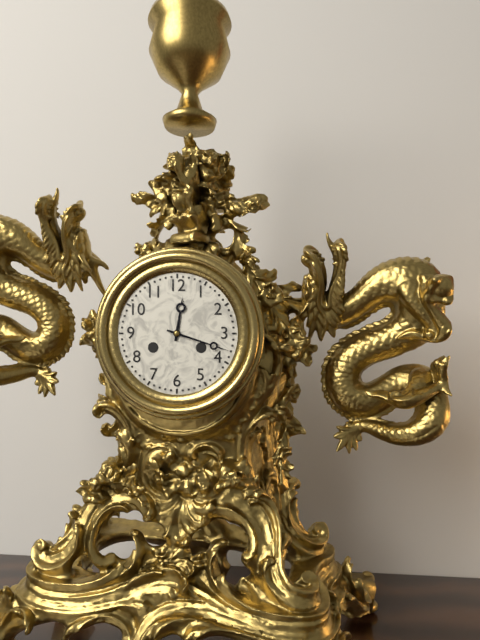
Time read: **12:18**
